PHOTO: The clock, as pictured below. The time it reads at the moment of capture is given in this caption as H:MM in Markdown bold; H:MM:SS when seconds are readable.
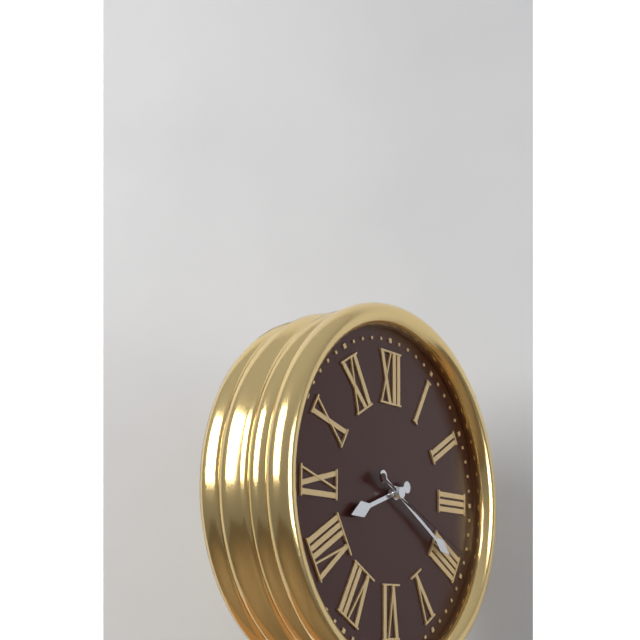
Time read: **8:20:19**
